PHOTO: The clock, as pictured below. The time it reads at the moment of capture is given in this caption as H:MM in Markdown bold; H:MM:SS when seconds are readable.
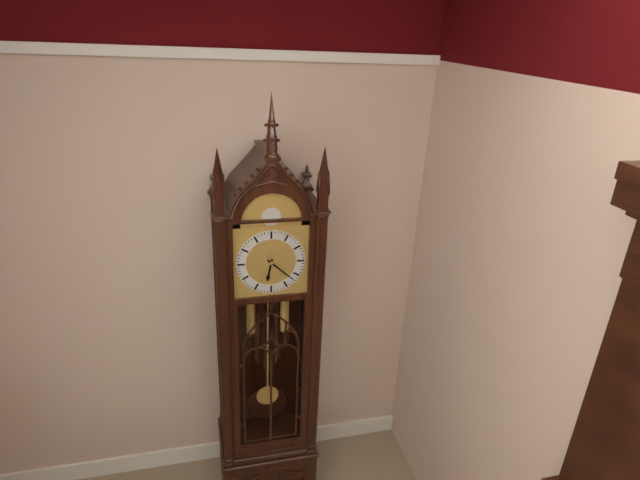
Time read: **6:22**
